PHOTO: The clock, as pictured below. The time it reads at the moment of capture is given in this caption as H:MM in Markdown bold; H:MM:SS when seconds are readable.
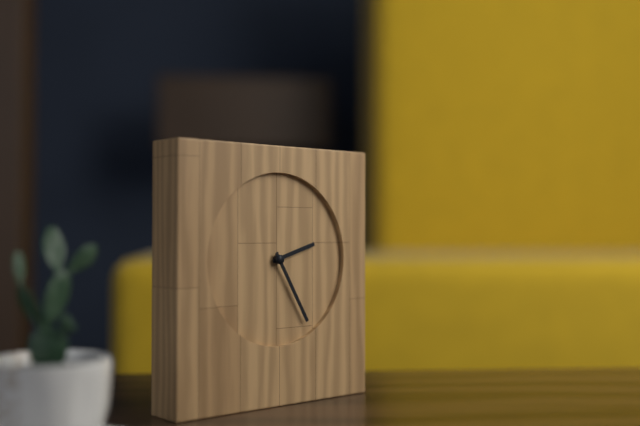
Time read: **2:25**
